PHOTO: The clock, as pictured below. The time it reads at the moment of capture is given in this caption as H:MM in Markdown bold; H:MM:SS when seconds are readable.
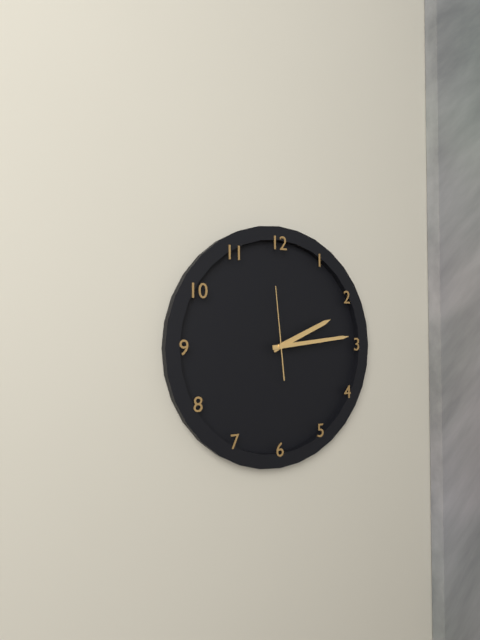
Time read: **2:14:59**
